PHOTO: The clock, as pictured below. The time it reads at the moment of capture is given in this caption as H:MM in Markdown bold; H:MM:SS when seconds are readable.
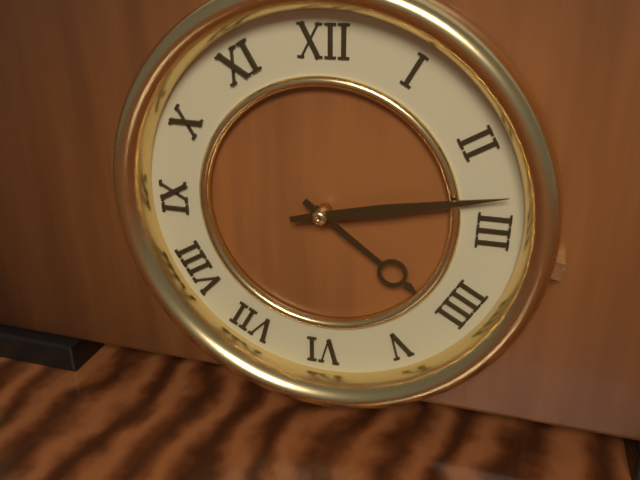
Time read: **4:13**
